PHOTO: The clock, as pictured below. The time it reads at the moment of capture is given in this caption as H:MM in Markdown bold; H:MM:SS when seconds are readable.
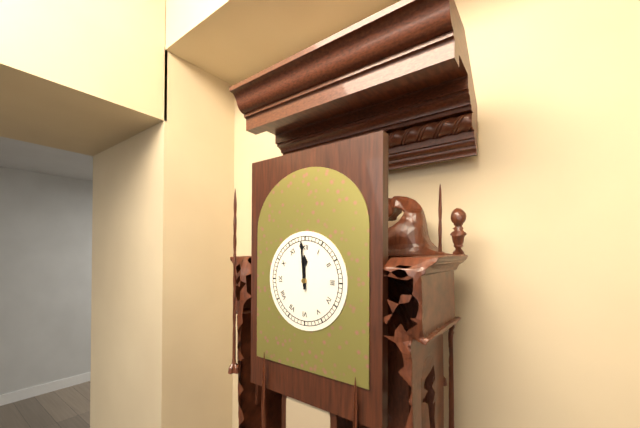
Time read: **11:59**
